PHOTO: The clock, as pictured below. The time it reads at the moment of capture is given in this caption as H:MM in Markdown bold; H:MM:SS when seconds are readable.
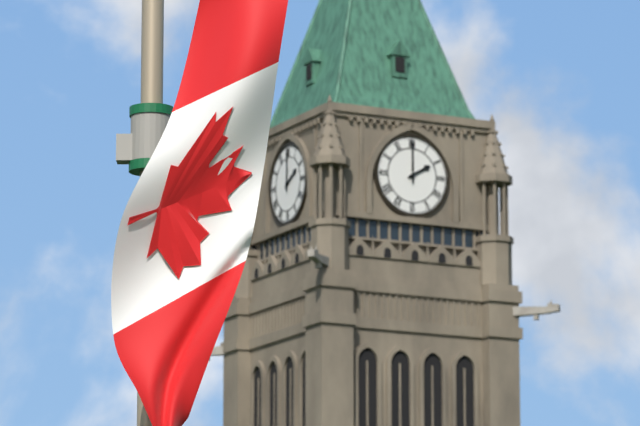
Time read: **2:00**
